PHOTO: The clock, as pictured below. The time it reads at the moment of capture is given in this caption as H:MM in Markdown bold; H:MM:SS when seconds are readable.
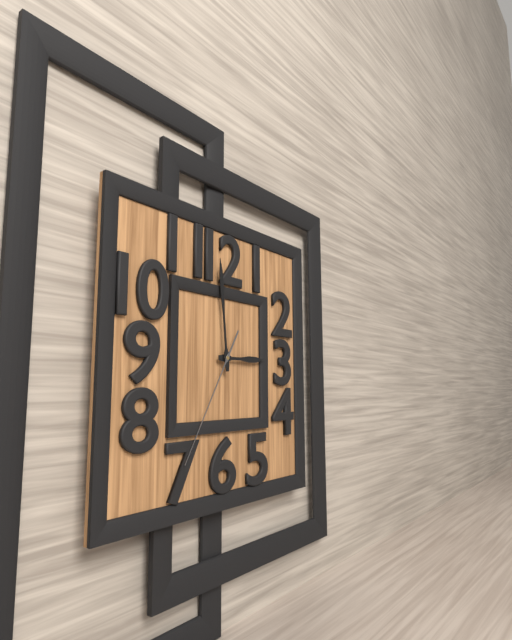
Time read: **2:59:35**
